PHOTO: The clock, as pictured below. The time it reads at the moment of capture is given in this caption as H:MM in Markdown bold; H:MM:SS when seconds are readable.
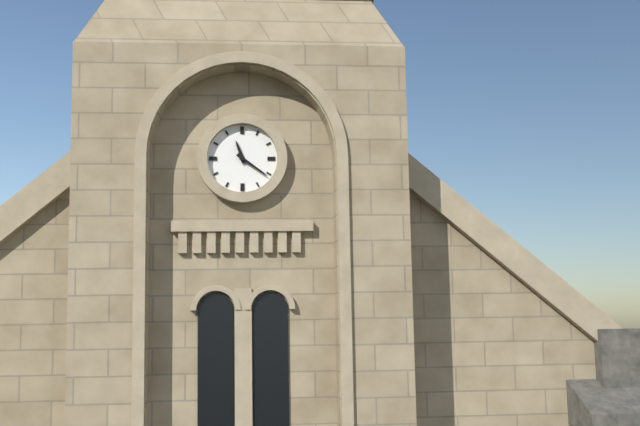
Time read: **11:21**
